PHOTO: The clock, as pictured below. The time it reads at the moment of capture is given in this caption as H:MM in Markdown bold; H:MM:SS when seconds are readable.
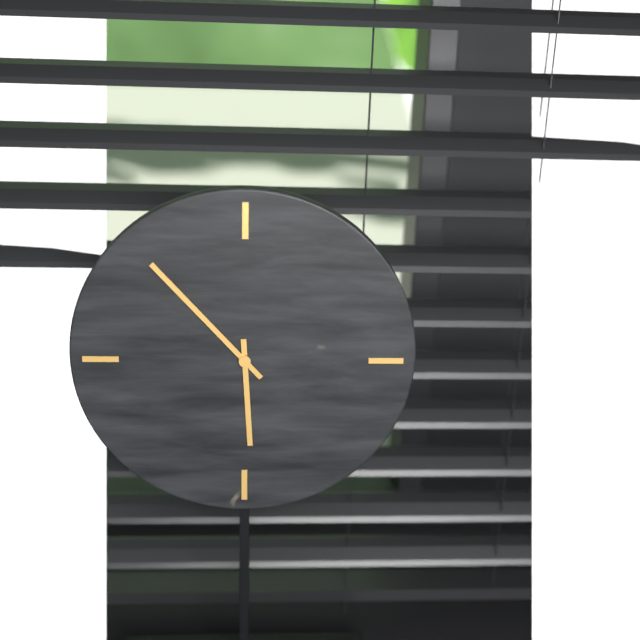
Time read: **5:53**
